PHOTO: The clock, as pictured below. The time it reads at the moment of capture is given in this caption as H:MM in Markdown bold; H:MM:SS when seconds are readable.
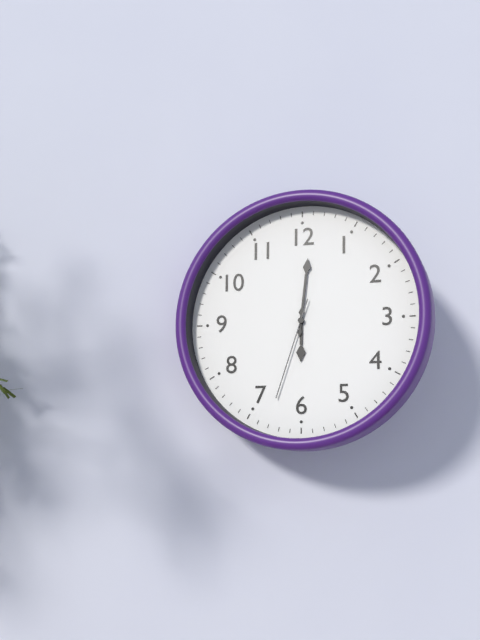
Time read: **6:01:33**
